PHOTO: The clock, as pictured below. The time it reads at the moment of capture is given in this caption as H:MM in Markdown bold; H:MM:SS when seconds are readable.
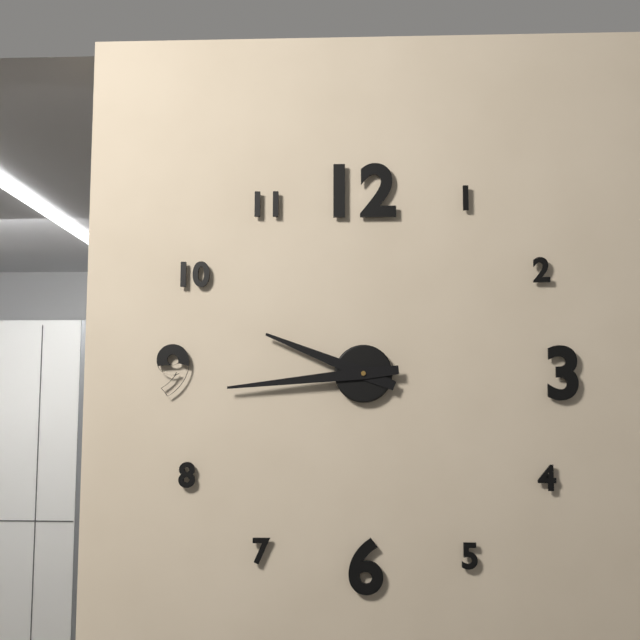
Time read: **9:44**
